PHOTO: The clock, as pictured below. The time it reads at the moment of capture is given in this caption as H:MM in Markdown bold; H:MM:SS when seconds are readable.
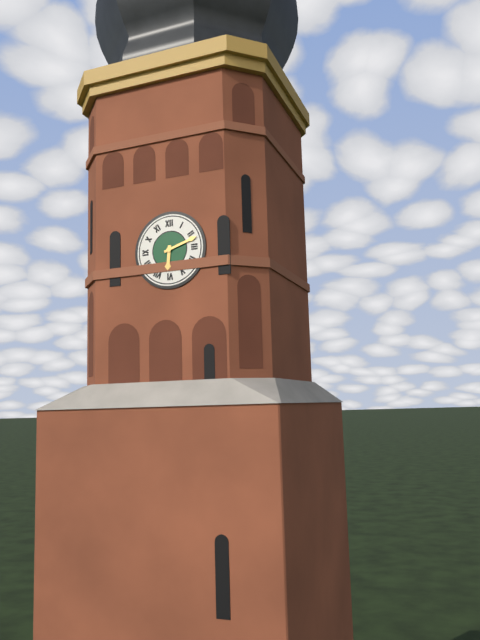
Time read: **6:12**
